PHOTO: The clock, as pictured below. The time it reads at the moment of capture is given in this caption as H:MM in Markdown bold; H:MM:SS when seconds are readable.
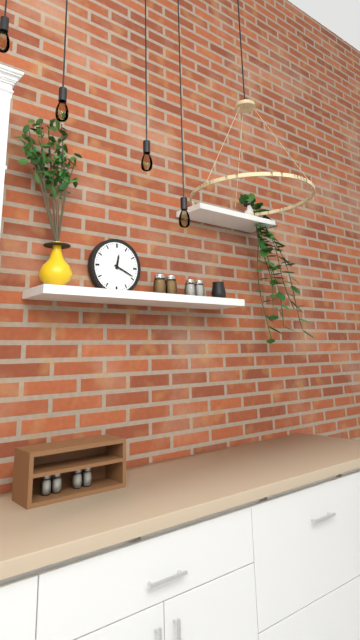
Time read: **12:19**
